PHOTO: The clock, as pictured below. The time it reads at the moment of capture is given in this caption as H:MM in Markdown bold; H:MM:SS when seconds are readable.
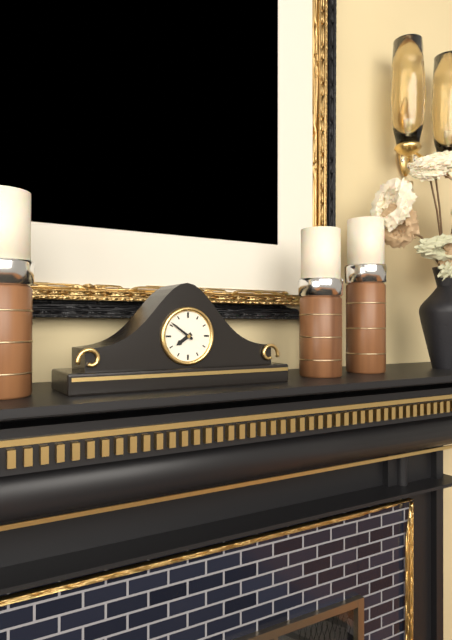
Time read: **7:51**
